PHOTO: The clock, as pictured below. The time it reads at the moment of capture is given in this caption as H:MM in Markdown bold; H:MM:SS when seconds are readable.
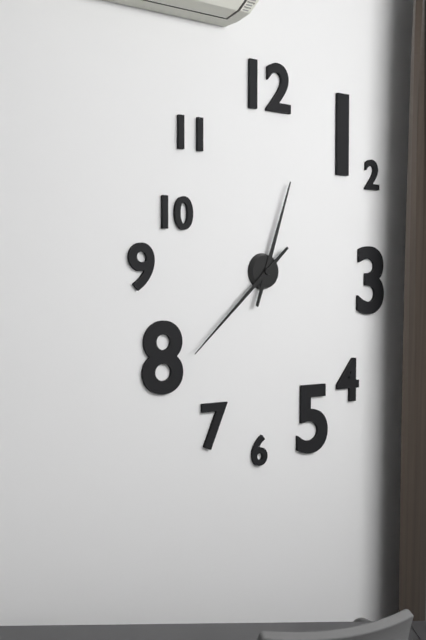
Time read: **12:38**
